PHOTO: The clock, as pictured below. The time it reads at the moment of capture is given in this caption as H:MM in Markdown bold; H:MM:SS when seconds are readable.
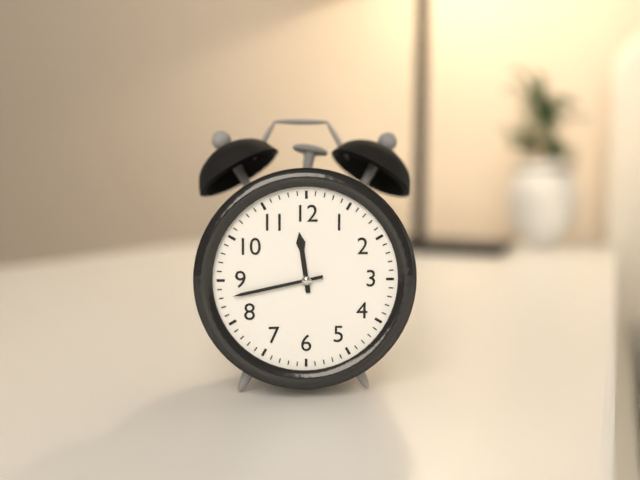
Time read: **11:43**
